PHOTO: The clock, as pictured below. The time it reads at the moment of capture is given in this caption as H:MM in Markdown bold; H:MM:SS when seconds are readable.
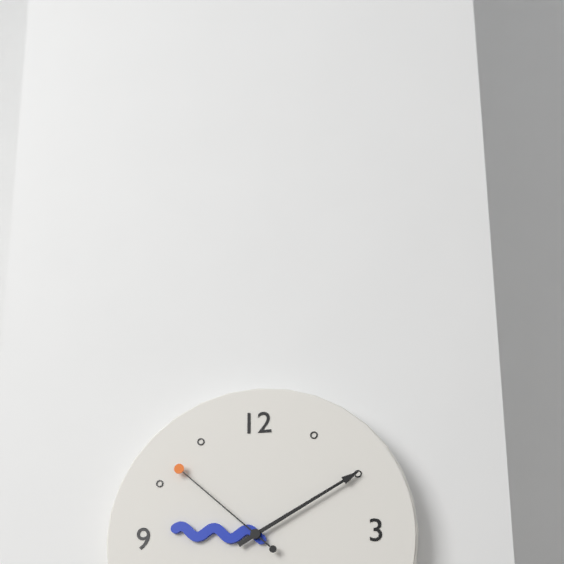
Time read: **9:10:52**
